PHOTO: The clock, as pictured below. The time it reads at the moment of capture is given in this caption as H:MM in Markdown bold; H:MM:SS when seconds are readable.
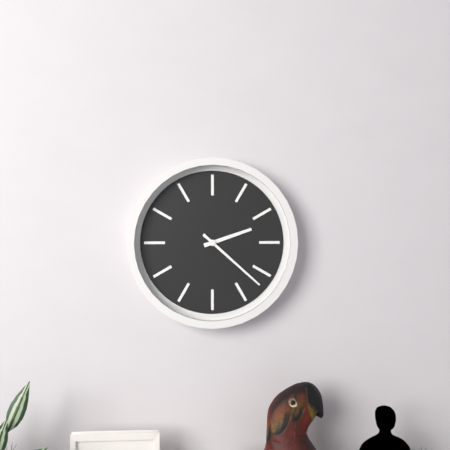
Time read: **2:22**
